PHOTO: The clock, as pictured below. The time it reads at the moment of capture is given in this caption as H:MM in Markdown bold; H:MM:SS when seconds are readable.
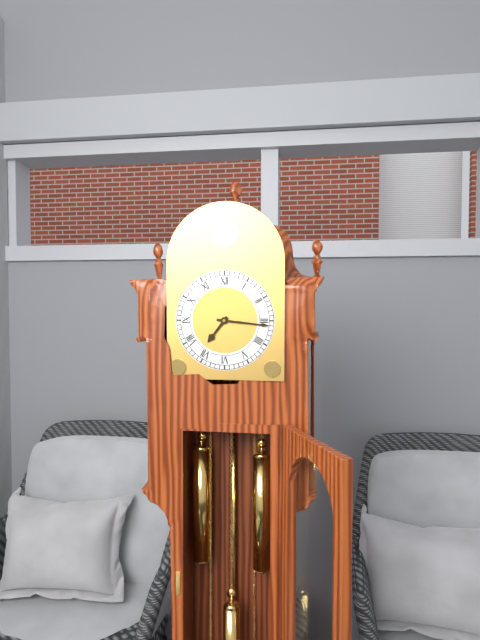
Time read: **7:16**
